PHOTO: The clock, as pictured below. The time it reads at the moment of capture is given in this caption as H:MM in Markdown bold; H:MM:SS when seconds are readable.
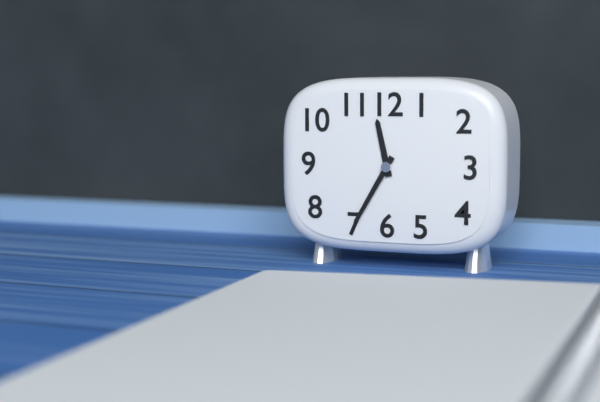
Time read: **11:35**
